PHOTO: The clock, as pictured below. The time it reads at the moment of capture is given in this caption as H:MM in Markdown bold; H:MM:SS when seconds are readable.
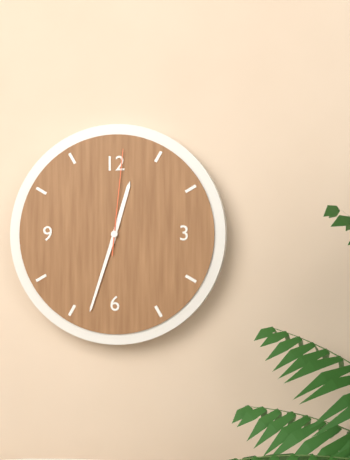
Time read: **12:33:01**
